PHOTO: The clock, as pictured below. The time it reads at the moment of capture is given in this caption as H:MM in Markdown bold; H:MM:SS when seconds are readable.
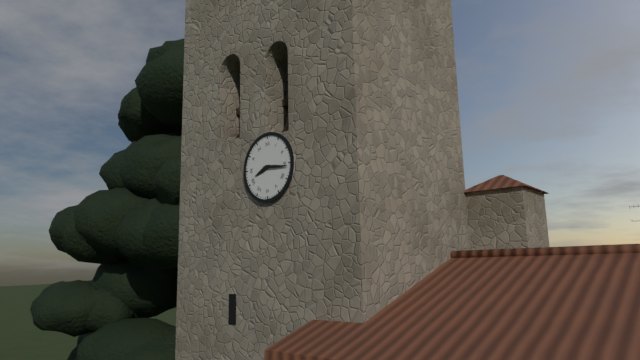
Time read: **8:16**
